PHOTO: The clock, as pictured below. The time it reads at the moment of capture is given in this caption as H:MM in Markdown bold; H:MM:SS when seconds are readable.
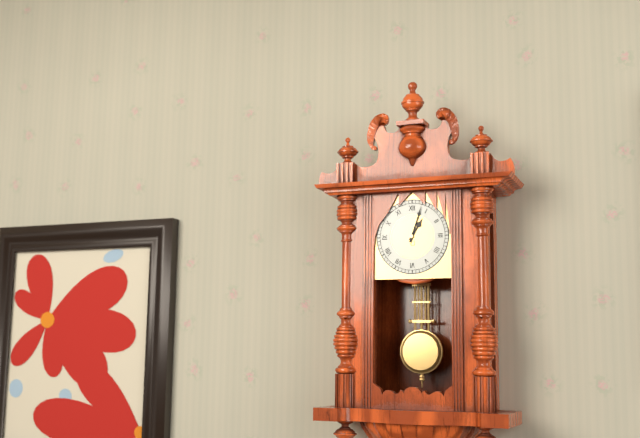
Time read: **1:03**
